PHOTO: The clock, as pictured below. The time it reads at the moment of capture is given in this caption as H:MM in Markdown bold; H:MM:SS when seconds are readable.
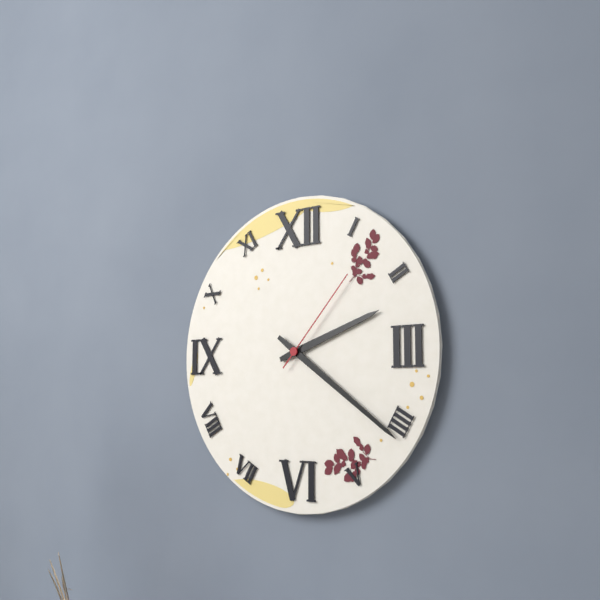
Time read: **2:21:07**
